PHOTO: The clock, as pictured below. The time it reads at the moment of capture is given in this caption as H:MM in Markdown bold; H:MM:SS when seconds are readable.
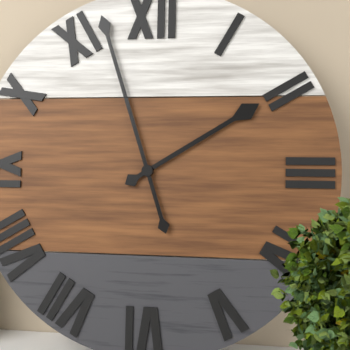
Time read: **1:57**
